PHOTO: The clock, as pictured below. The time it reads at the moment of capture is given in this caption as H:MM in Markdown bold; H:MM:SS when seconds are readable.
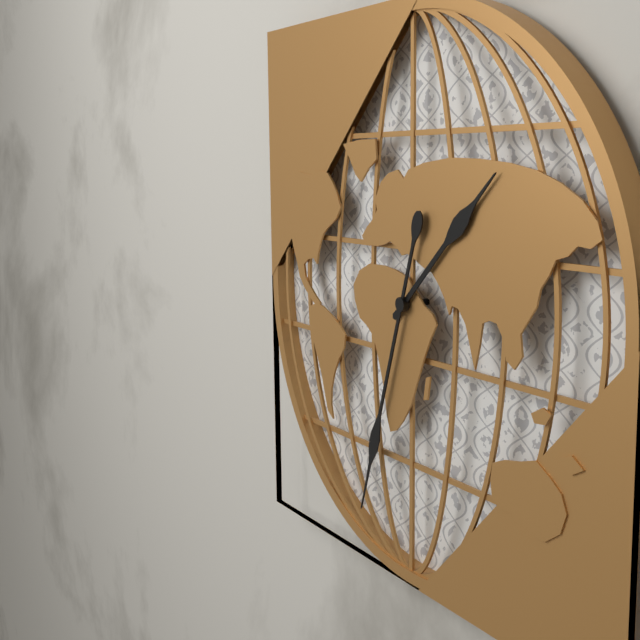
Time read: **1:33**
